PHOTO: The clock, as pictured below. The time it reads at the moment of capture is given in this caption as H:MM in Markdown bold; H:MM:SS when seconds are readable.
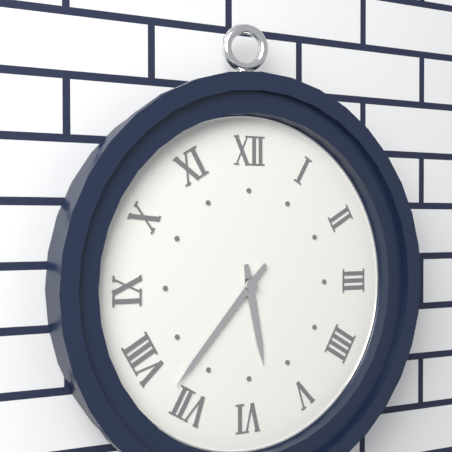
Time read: **5:37**
